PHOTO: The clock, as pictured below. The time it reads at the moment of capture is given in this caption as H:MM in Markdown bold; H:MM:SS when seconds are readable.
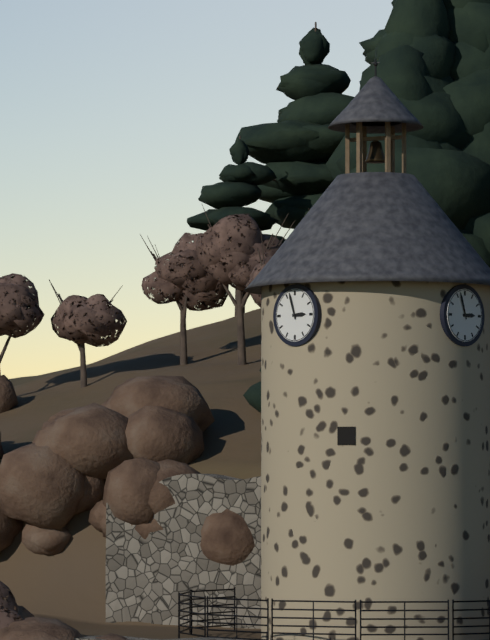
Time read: **2:57**
